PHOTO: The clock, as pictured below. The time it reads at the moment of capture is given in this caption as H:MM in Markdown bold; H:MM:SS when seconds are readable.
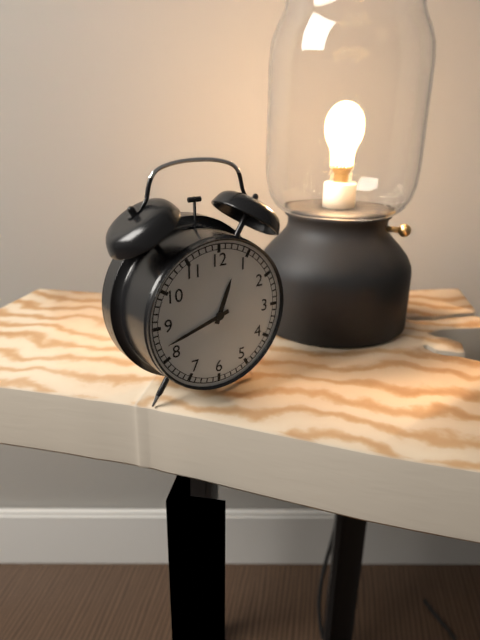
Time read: **12:42**
